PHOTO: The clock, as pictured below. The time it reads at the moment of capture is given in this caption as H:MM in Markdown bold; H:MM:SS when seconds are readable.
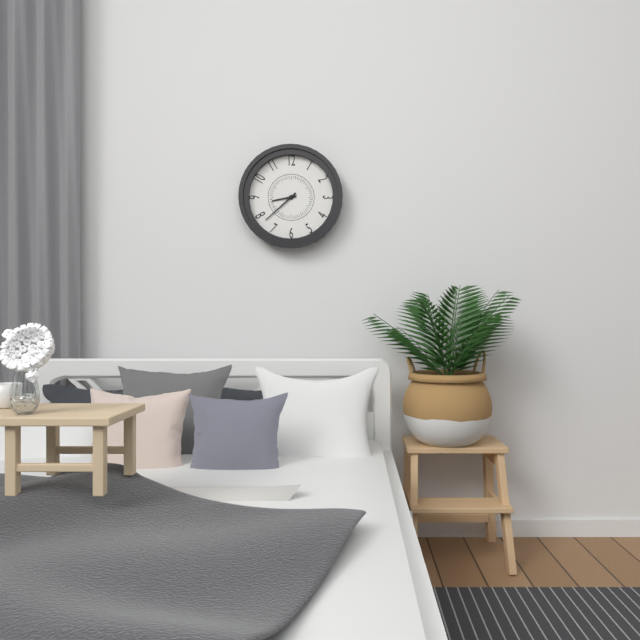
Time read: **8:38**
